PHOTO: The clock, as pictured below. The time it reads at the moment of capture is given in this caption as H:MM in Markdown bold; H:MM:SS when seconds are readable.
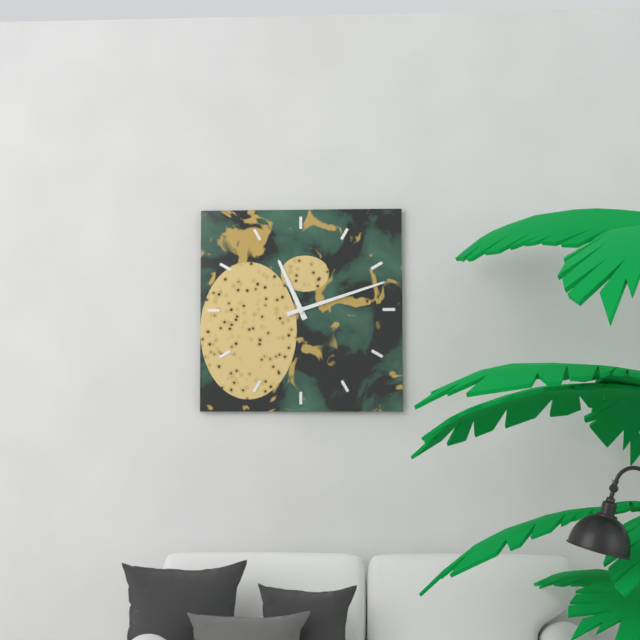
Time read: **11:12**
